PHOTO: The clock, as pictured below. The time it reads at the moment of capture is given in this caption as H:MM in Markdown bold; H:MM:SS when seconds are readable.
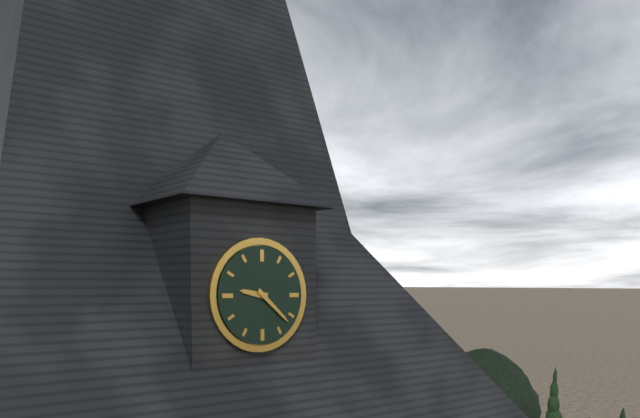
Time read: **9:22**
